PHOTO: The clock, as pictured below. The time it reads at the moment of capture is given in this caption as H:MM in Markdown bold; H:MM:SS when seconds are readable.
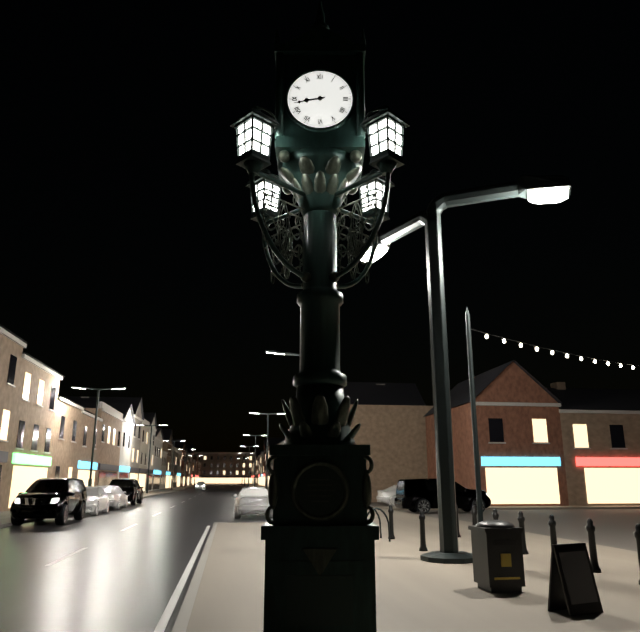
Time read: **8:43**
